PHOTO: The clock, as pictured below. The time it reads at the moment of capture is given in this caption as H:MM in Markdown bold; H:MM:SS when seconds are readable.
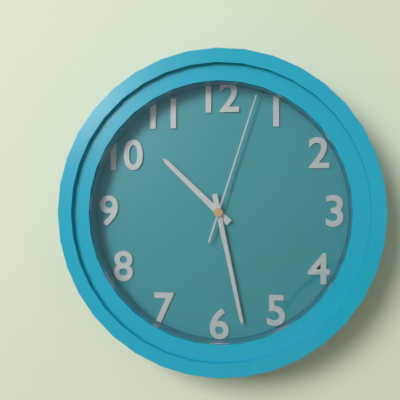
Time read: **10:28:03**
